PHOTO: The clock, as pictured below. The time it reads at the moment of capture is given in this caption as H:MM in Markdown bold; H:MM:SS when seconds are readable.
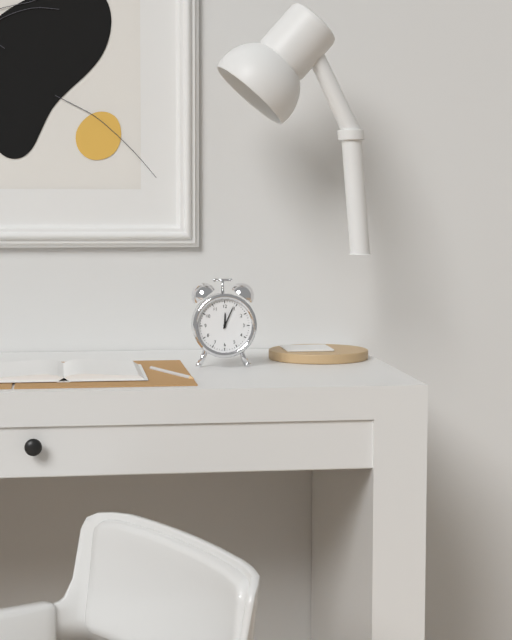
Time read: **12:04**
